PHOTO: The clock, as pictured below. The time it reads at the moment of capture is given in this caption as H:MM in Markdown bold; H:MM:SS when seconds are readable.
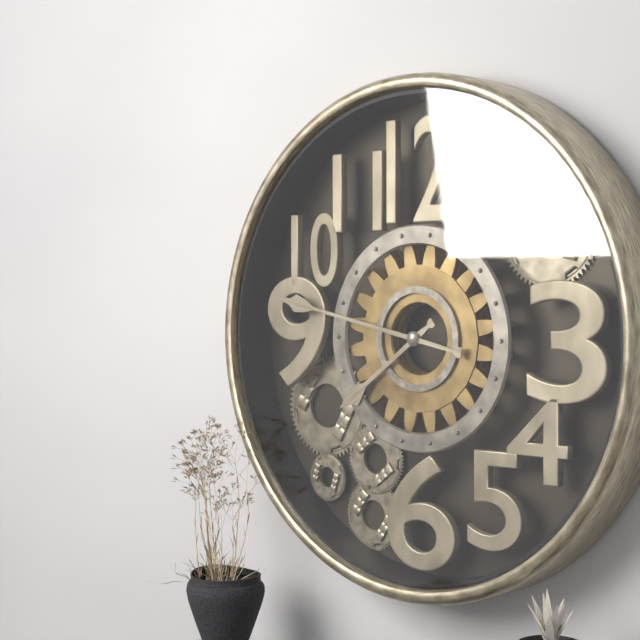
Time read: **7:47**
